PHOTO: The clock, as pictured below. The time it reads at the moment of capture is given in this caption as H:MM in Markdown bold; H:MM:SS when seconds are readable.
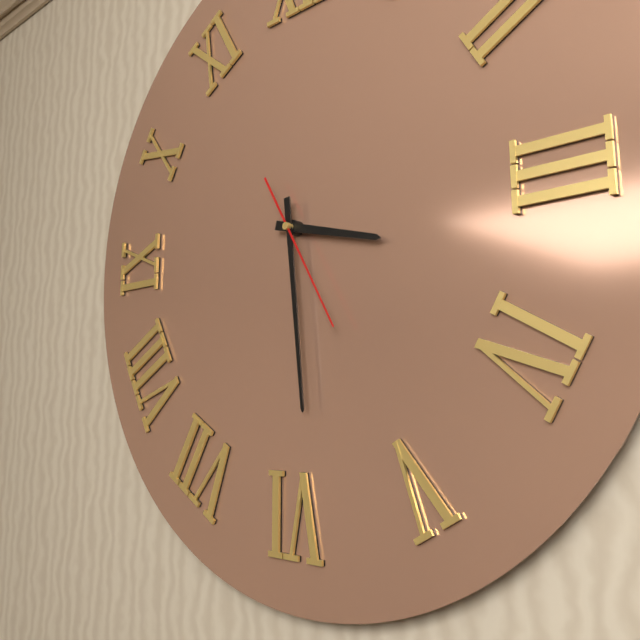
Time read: **3:29:25**
